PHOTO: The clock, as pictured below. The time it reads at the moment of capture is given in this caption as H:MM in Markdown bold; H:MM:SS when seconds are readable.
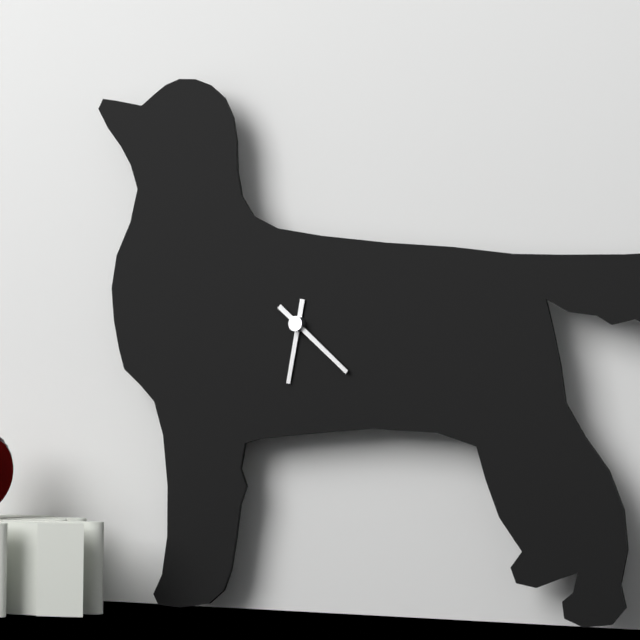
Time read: **6:22**
